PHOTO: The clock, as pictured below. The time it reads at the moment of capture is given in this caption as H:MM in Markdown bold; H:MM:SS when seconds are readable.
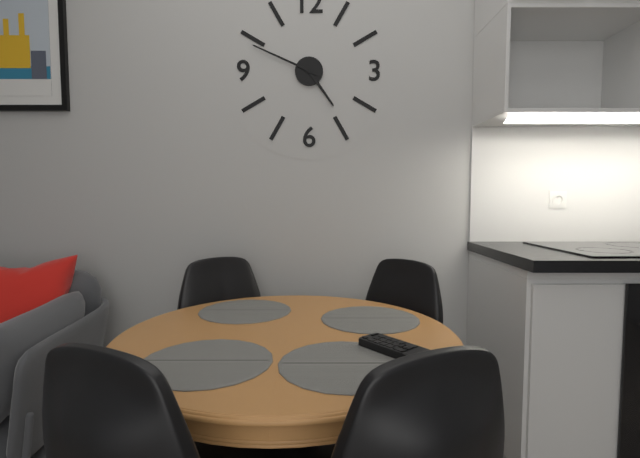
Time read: **4:49**
